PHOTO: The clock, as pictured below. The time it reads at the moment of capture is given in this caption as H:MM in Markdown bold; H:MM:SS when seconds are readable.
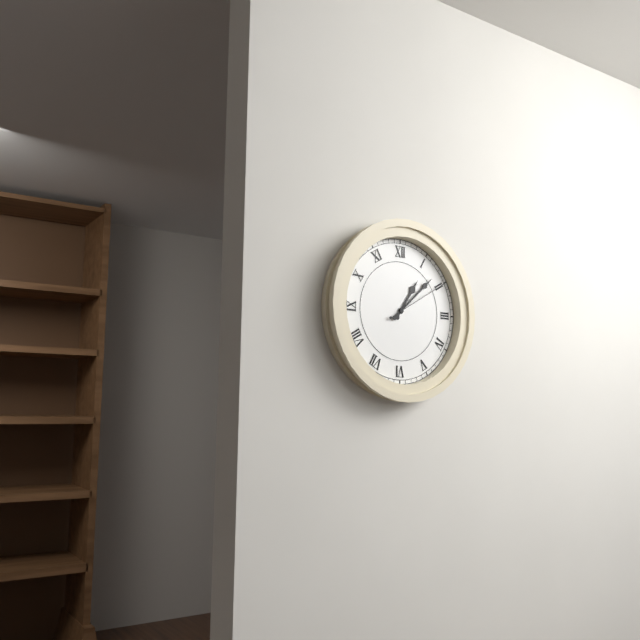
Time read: **1:08:10**
